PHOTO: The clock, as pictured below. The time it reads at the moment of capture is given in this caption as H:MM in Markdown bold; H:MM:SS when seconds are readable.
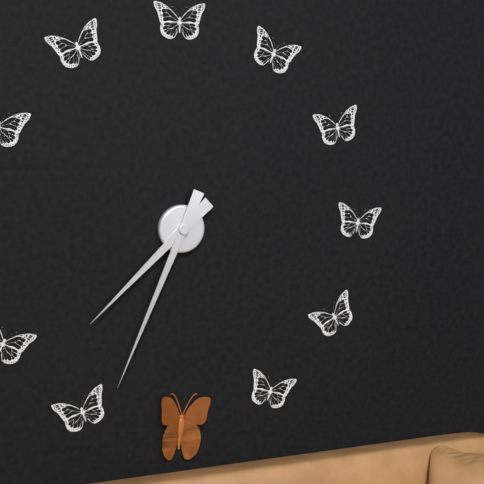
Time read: **7:34**
